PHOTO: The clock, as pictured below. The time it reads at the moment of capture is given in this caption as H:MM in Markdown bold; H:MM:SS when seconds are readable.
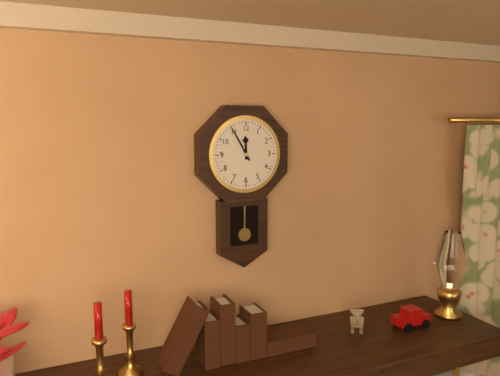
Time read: **11:55**
